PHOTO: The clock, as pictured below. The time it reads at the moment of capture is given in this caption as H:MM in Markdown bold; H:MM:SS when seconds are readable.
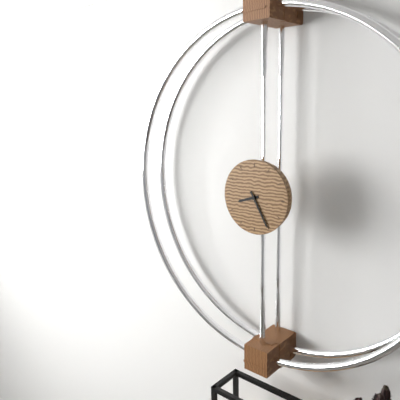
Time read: **8:25**
